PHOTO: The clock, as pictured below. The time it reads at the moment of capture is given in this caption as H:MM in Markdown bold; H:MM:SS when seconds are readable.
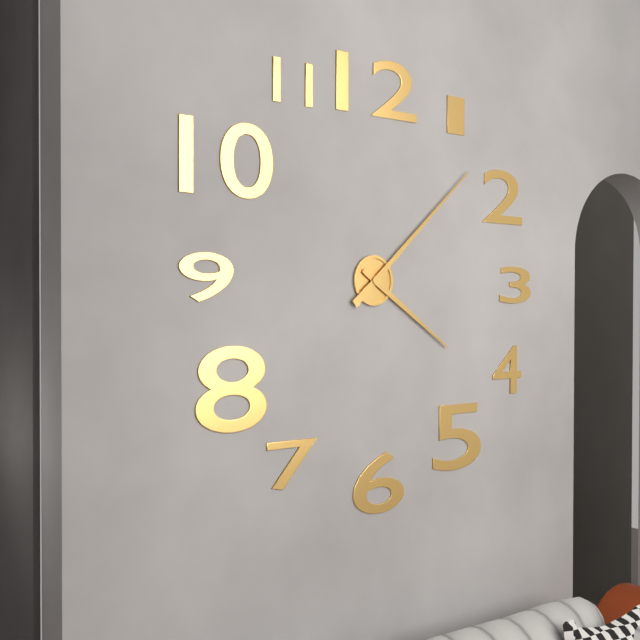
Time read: **4:08**
